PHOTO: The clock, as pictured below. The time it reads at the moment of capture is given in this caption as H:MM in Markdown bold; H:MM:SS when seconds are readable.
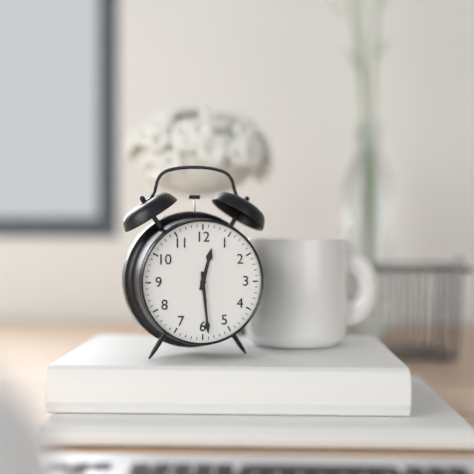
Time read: **12:29**
